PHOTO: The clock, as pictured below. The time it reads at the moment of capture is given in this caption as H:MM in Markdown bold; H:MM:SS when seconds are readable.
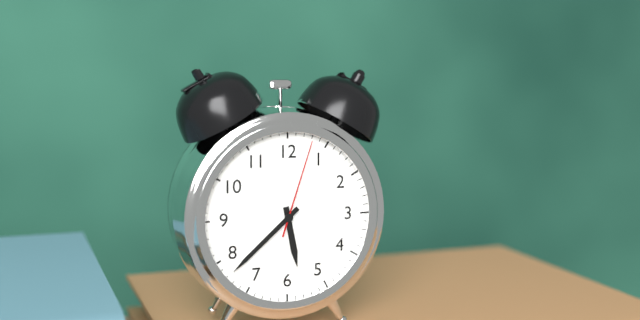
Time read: **5:38:03**
